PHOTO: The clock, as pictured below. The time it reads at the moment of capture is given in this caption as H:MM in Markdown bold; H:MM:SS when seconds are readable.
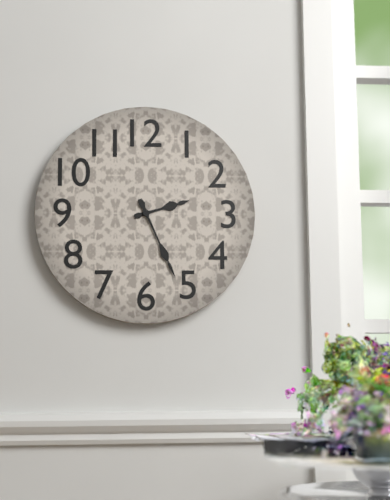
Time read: **2:26**
